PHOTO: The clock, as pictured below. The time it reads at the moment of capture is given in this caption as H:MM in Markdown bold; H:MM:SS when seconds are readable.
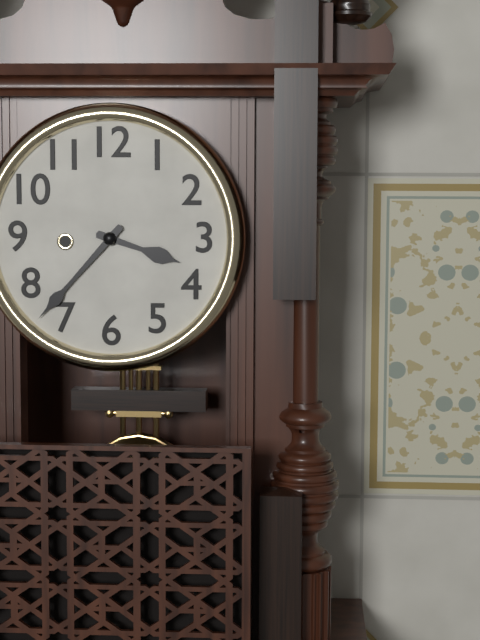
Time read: **3:37**
